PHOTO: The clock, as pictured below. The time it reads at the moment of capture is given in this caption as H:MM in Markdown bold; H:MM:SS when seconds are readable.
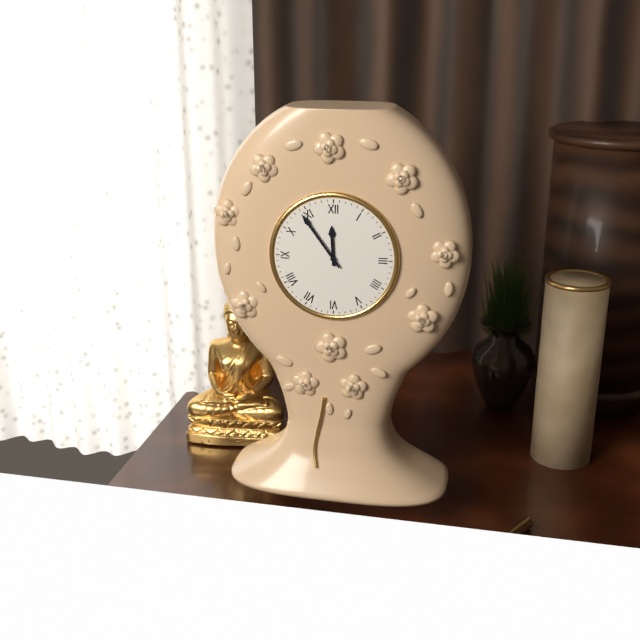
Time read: **11:54**
